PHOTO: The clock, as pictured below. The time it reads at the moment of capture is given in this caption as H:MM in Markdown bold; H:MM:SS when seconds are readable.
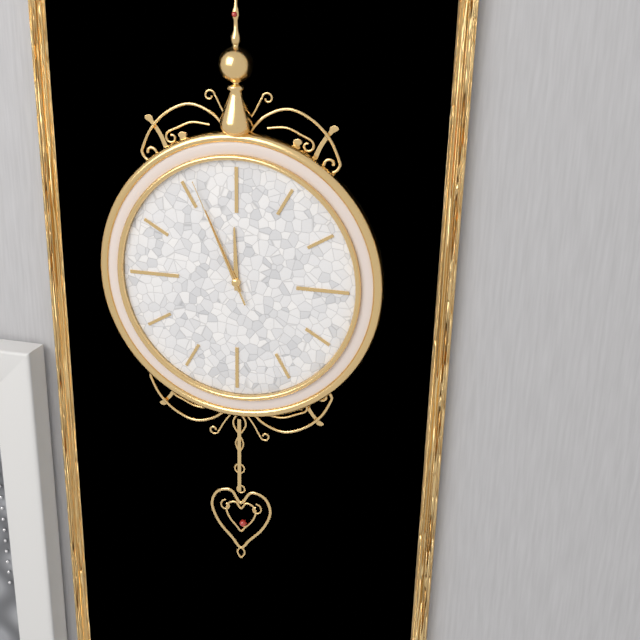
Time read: **11:56:56**
